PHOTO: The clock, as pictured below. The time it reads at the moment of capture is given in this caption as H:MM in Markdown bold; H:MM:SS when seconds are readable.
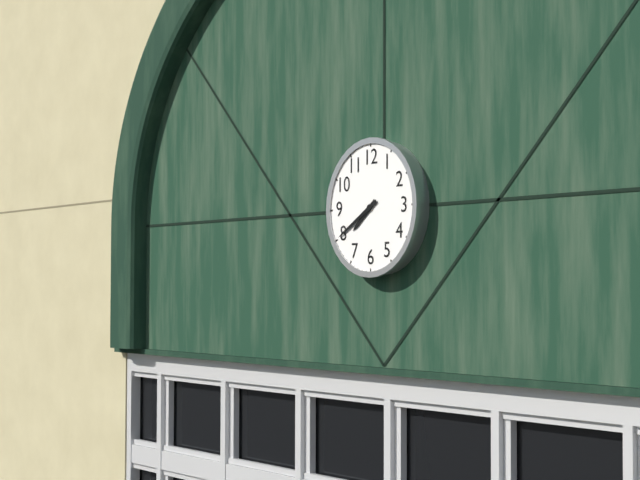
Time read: **7:40**
